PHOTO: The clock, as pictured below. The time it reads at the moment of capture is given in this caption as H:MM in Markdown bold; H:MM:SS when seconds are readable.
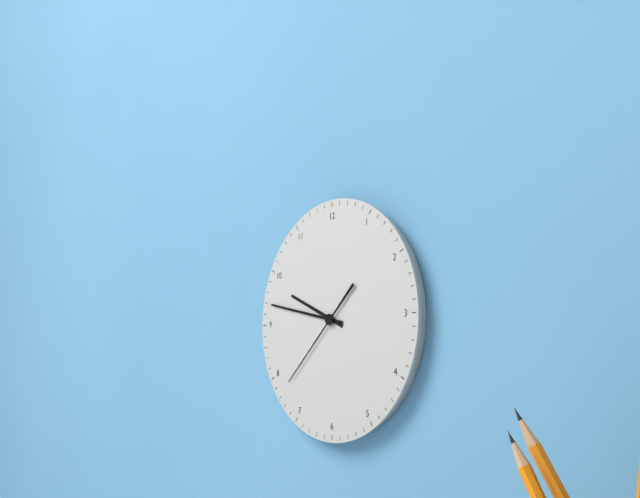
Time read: **9:47:38**
